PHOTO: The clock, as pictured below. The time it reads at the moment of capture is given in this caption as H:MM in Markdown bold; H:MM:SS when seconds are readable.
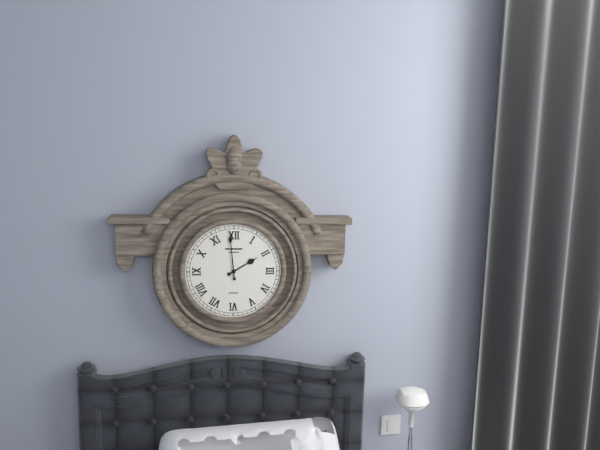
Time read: **1:59**
